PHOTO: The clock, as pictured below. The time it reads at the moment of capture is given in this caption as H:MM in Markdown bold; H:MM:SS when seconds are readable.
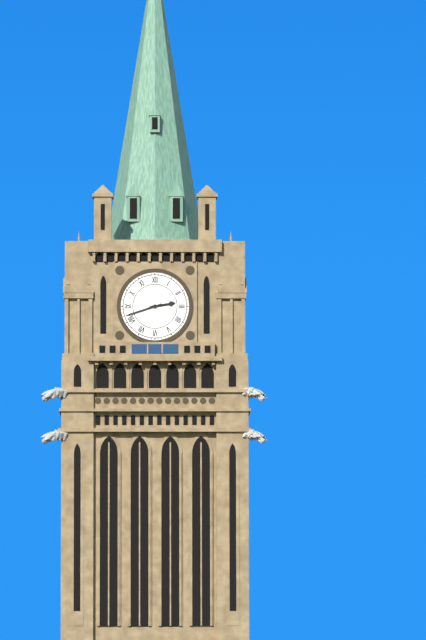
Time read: **2:42**
